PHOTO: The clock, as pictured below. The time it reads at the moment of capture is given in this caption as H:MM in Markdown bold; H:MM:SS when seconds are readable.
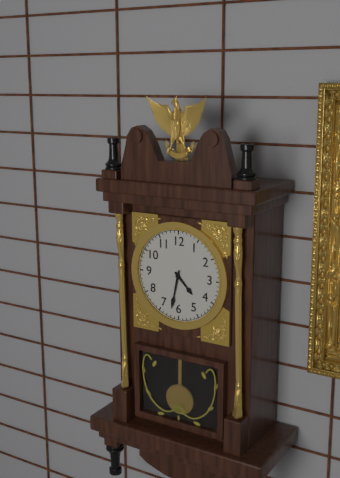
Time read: **4:32**
